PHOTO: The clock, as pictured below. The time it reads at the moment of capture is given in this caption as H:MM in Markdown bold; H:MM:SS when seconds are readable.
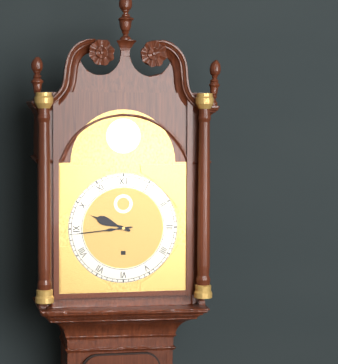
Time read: **9:44**
